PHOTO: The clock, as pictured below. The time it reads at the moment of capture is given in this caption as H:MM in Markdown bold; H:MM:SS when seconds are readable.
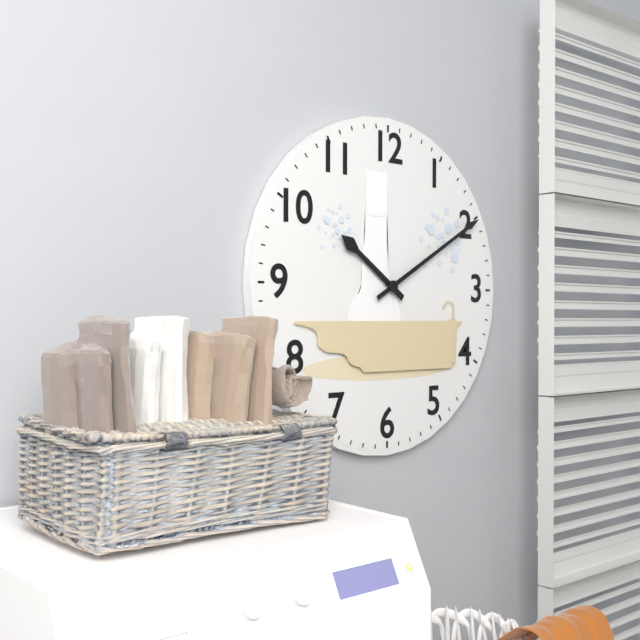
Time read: **10:10**
